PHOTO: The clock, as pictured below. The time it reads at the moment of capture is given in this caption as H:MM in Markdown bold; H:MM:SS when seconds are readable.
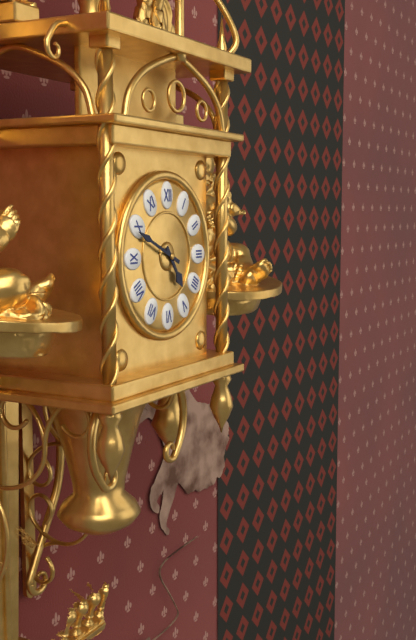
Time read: **4:49**
